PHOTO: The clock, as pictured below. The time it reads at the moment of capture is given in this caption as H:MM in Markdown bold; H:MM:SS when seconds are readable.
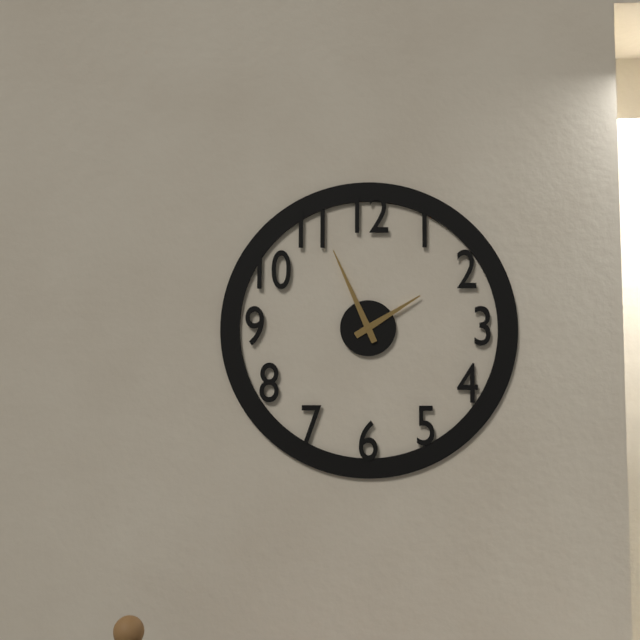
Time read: **1:56**
